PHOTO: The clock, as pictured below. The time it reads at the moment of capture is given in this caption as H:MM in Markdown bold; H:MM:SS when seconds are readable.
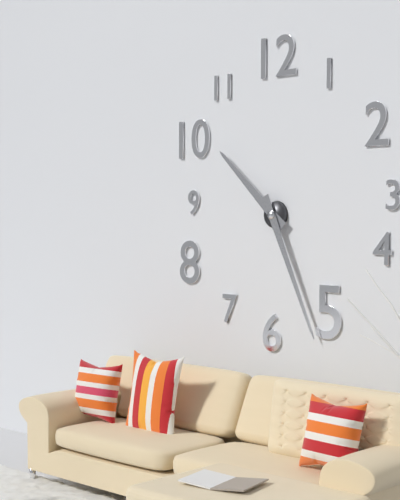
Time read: **10:26**
